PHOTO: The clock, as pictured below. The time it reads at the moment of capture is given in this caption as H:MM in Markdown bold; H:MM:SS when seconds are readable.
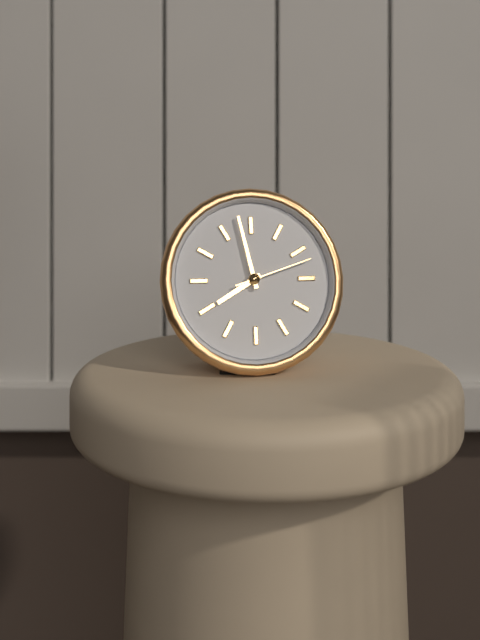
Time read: **7:58:12**
